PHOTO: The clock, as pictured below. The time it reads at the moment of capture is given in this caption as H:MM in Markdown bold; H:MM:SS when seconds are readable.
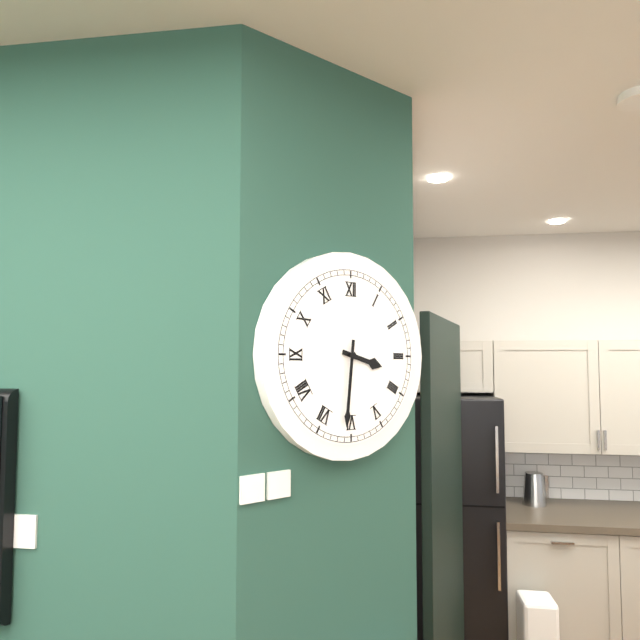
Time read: **3:31**
